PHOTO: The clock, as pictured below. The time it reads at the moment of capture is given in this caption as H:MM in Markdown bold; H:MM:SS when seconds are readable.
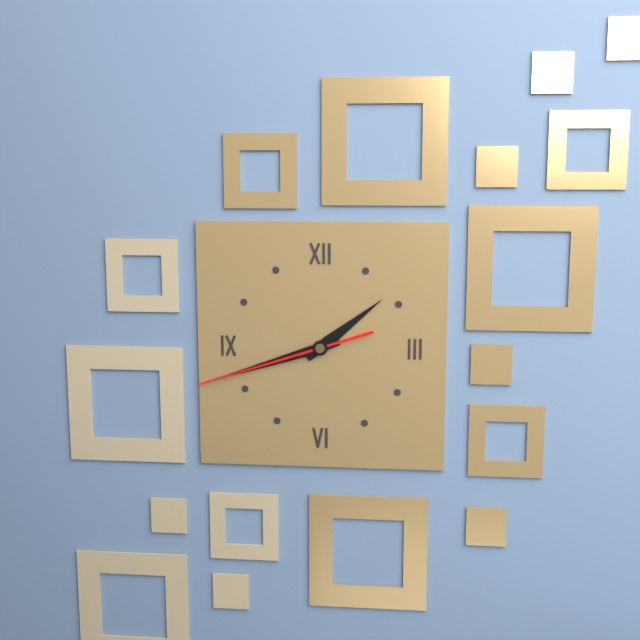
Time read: **1:42:42**
